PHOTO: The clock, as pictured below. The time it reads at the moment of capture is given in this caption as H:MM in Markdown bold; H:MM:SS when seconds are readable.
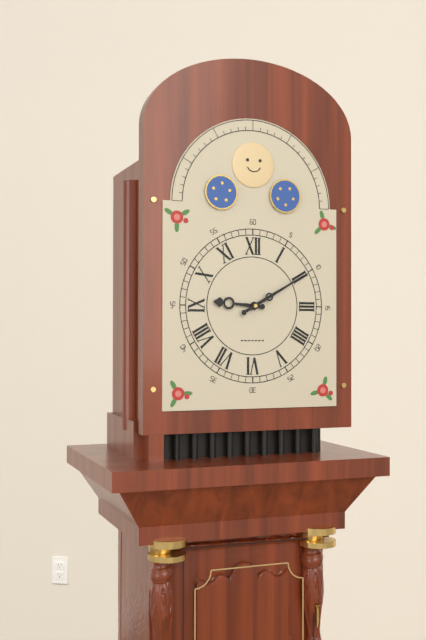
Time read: **9:10**
